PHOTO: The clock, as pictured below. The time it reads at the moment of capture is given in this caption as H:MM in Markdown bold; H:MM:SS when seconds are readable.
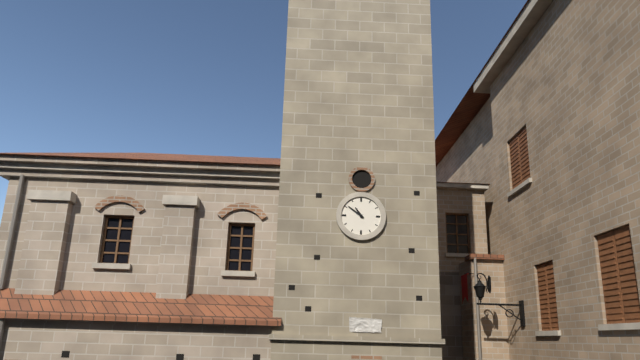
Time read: **10:51**
